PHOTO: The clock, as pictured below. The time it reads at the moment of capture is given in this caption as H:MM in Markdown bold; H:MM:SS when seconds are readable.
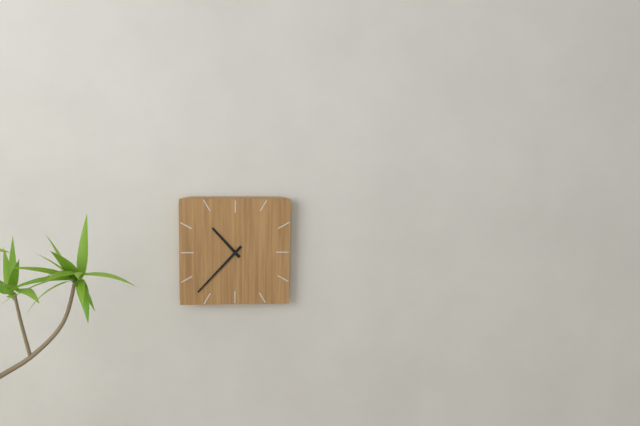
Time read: **10:37**
